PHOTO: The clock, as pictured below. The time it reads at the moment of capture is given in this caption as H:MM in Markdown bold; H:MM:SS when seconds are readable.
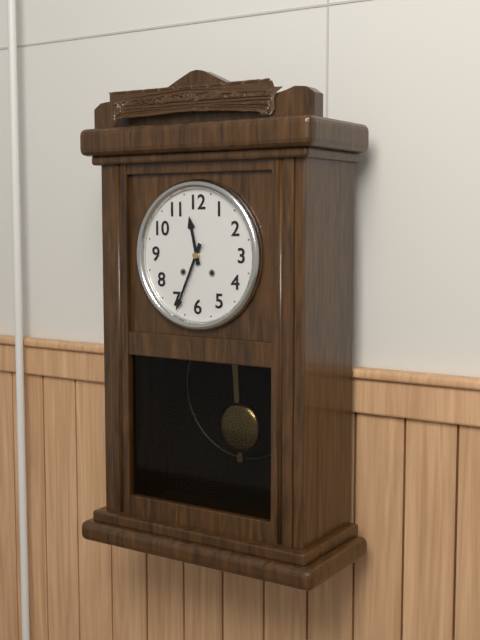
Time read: **11:34**
